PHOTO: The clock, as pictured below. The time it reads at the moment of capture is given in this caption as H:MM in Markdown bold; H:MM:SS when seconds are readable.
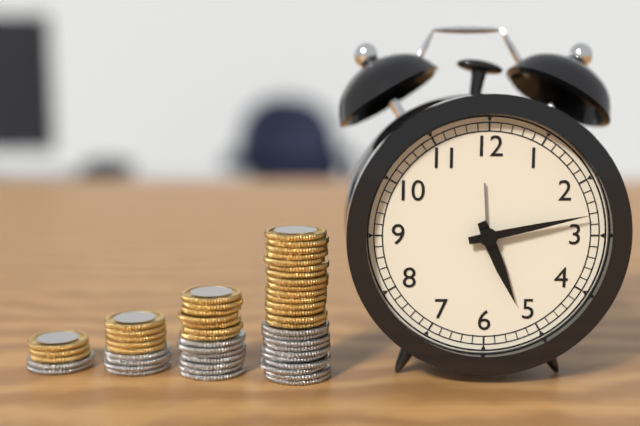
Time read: **5:13**
